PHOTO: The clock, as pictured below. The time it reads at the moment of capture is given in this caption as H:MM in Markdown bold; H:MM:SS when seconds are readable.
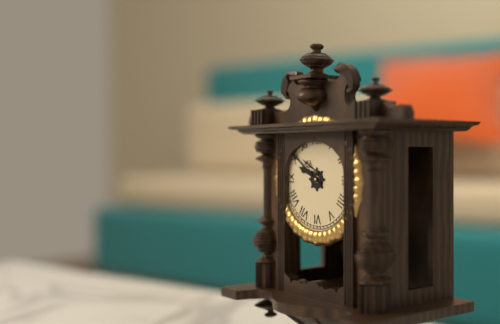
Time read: **9:51**
